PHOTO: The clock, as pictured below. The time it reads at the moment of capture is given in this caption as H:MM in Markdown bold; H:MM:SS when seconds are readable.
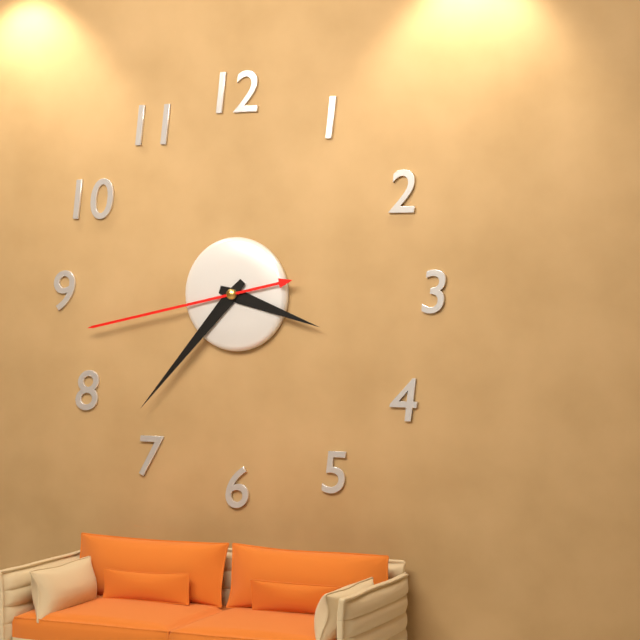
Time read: **3:37:43**
